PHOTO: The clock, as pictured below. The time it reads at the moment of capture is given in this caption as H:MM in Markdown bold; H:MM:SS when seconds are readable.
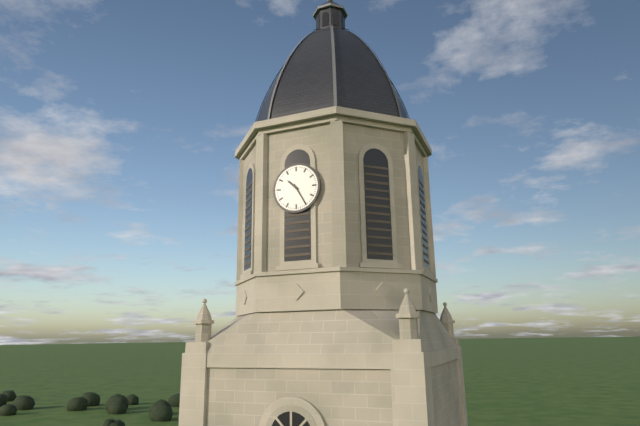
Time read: **10:25**
